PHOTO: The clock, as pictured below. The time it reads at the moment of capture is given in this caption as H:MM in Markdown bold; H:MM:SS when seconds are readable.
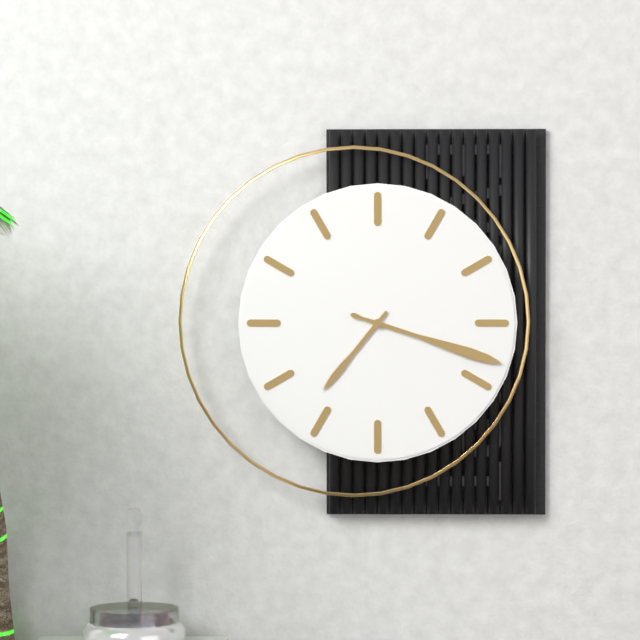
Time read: **7:18**
